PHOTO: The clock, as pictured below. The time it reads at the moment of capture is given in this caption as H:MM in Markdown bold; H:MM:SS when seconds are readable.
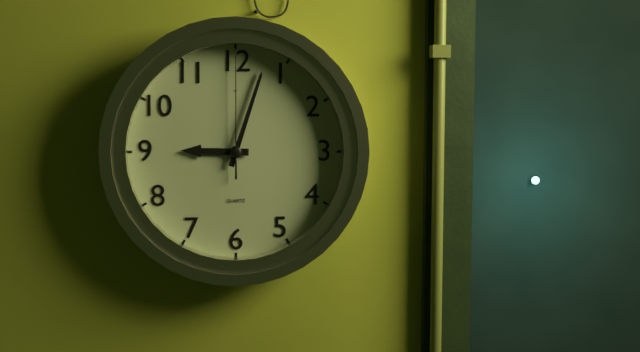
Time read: **9:03:00**
